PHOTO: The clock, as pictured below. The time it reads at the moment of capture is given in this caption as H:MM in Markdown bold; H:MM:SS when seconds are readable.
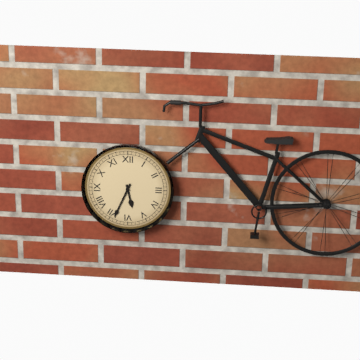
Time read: **5:34**
